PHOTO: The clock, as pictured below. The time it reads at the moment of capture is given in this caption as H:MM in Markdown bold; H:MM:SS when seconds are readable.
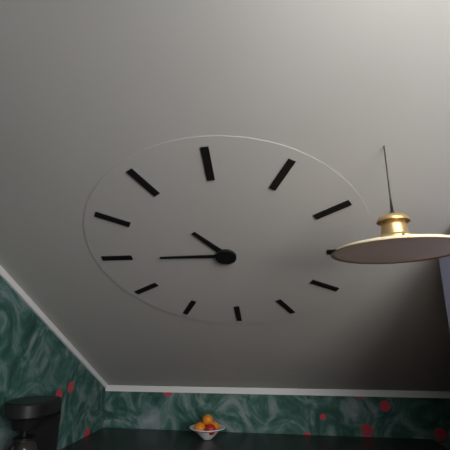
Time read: **10:45**
